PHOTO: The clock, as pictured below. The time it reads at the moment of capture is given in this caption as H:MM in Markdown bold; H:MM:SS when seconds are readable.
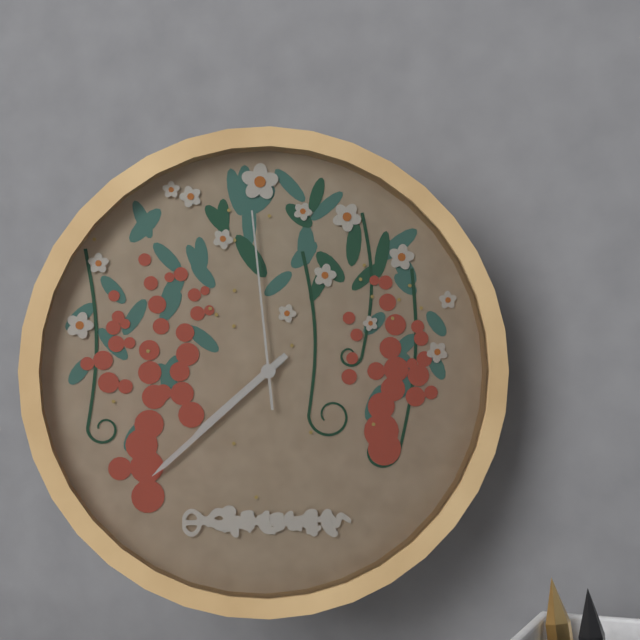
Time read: **7:38:59**
